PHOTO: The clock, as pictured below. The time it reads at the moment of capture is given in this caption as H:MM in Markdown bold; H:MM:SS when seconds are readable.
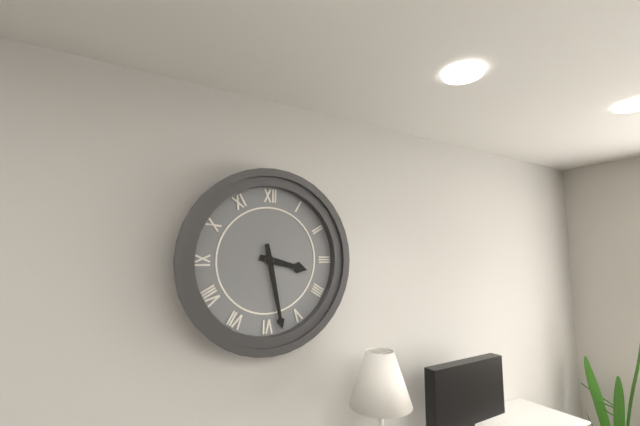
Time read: **3:28**
